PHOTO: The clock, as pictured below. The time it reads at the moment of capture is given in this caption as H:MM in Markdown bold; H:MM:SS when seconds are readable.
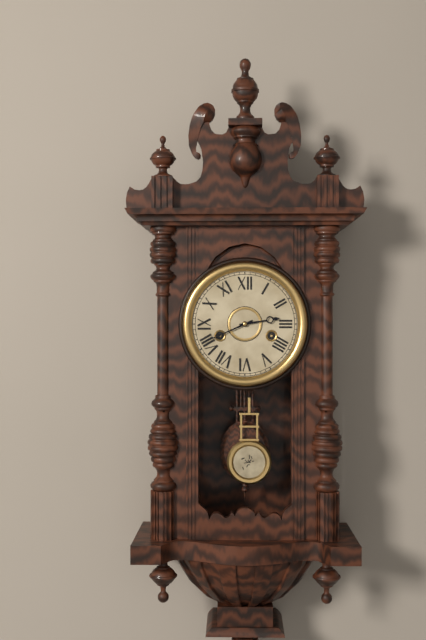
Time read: **2:41**
